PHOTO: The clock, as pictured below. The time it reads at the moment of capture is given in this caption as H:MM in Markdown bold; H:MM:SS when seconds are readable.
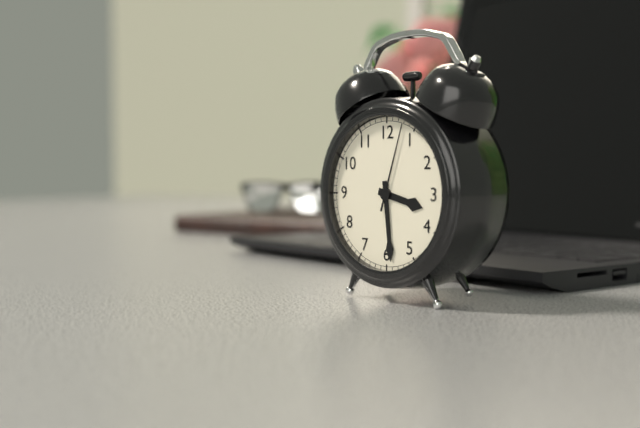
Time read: **3:29:03**
